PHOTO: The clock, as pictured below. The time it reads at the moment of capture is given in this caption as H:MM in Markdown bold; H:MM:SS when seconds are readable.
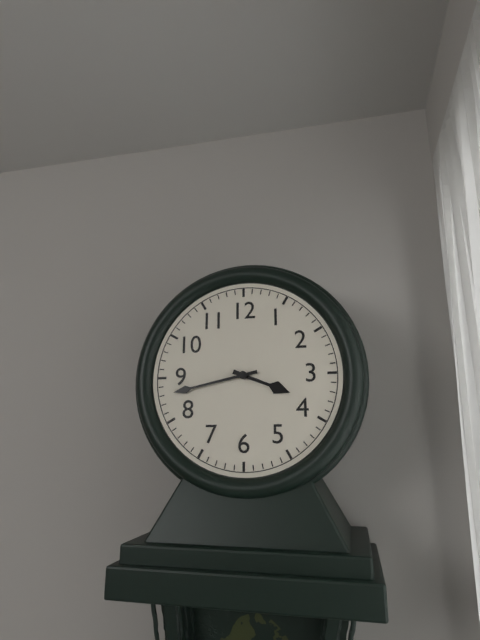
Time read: **3:43**
